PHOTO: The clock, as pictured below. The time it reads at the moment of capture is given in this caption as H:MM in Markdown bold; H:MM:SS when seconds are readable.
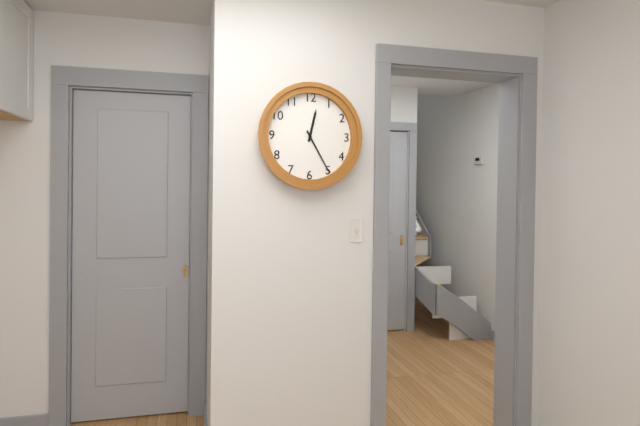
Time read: **12:25**
